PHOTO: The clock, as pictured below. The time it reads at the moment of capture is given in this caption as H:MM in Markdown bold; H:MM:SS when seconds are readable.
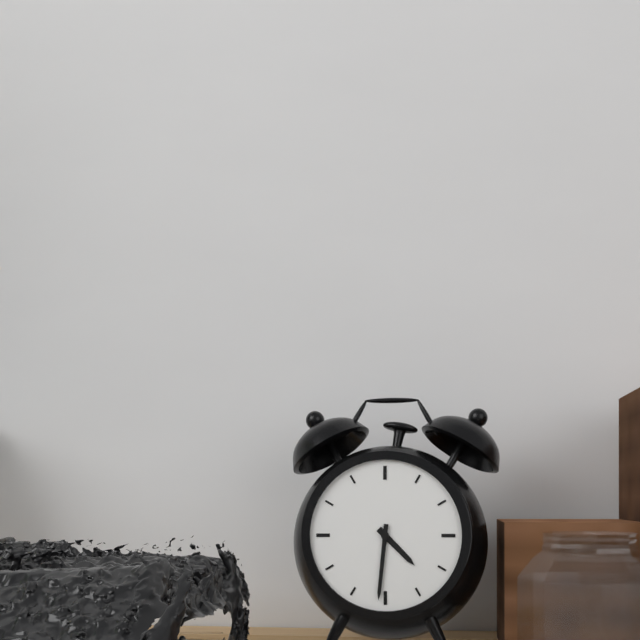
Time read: **4:31**
